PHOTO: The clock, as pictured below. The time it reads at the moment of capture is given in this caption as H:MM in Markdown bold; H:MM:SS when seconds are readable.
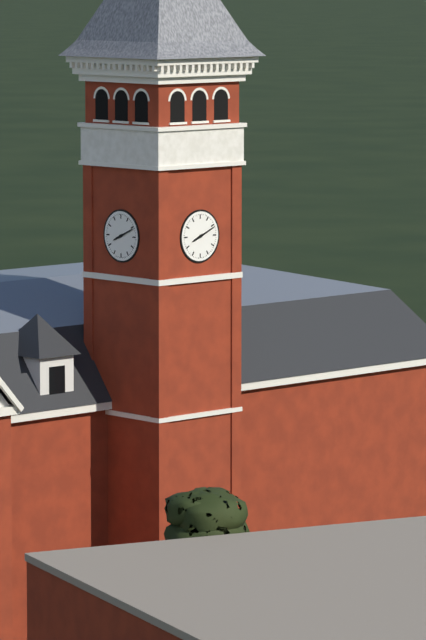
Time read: **8:11**
